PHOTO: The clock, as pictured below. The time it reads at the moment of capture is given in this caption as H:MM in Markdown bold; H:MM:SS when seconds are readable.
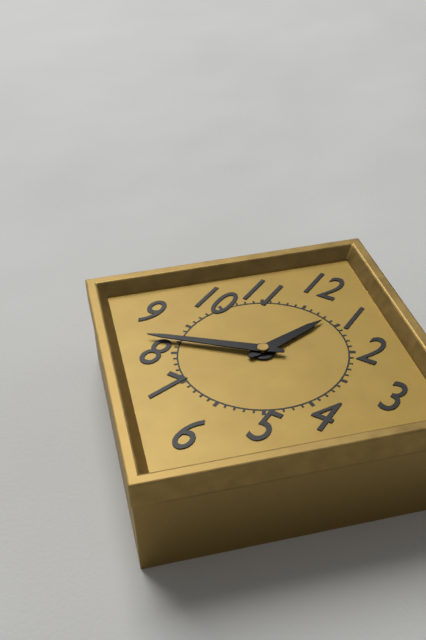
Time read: **12:42**
